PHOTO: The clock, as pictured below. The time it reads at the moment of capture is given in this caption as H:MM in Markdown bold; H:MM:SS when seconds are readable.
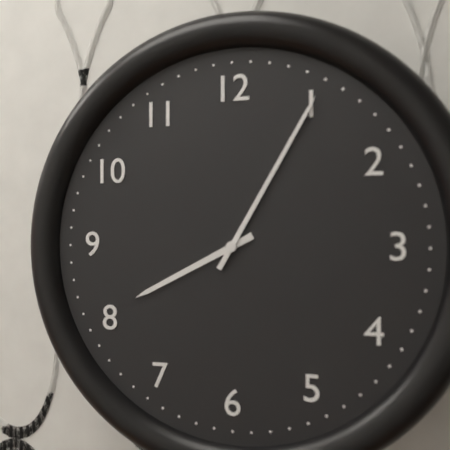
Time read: **8:05**
